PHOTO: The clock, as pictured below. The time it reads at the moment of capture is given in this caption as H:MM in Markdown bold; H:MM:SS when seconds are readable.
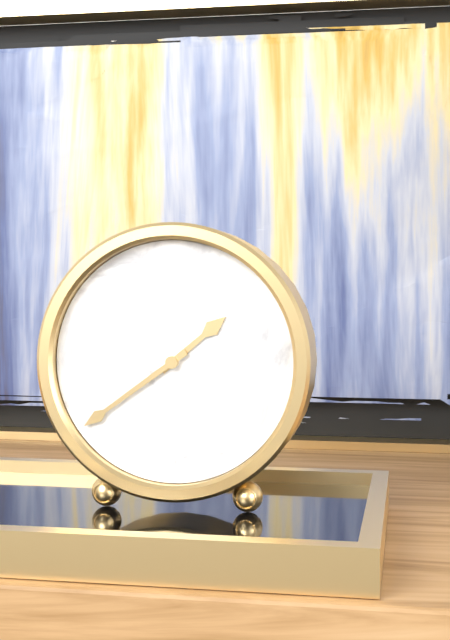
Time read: **1:39**
